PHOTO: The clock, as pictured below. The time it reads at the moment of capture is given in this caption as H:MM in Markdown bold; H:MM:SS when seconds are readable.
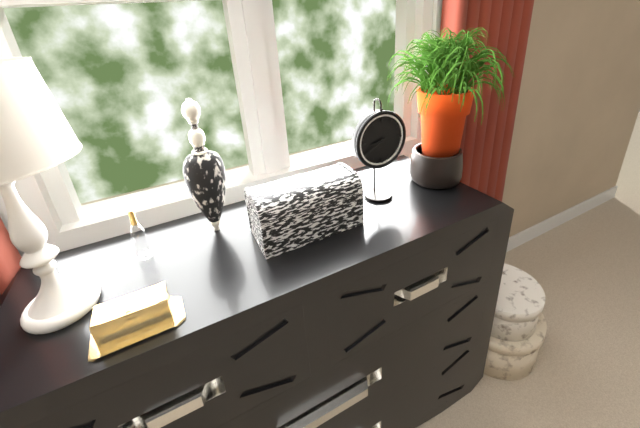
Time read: **8:40**
